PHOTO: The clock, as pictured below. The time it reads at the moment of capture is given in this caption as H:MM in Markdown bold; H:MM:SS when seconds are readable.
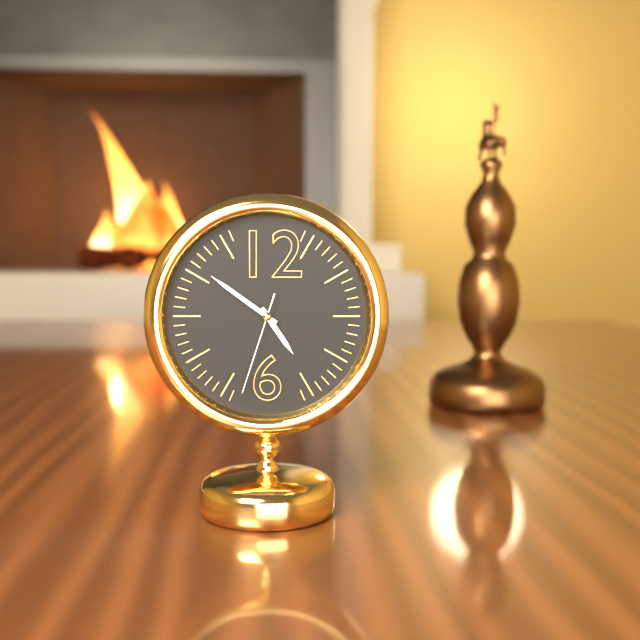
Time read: **4:51:33**
